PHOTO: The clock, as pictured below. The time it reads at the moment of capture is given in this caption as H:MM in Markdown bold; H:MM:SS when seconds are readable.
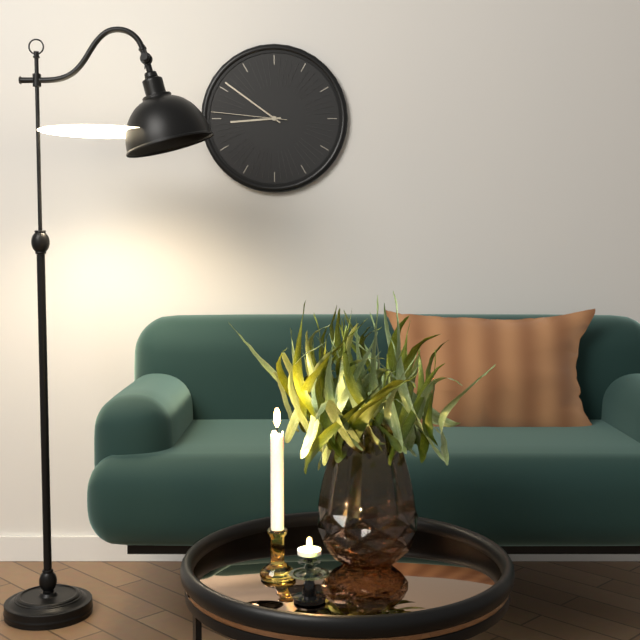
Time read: **8:51:46**
